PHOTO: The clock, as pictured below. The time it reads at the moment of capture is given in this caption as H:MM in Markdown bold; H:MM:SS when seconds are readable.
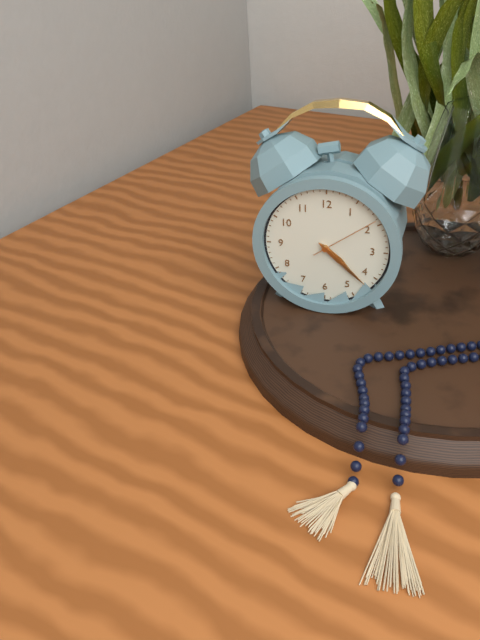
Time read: **4:22:09**
